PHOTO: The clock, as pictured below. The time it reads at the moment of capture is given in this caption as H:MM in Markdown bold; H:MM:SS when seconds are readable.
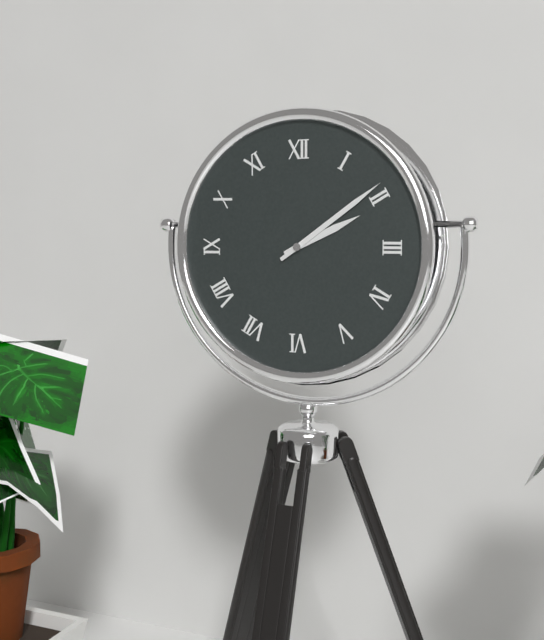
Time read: **2:09**
